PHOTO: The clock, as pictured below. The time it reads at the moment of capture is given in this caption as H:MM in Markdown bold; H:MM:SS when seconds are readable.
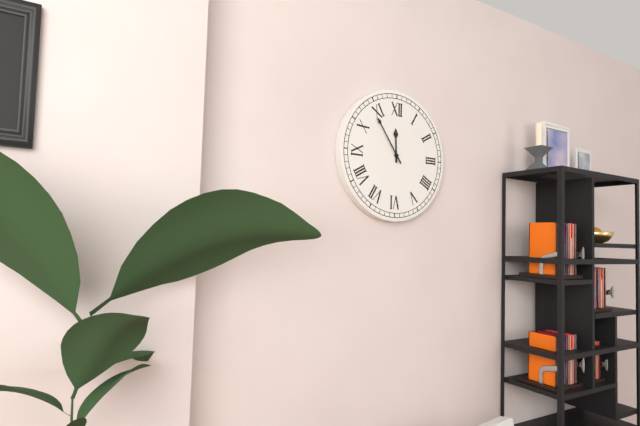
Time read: **11:54**
